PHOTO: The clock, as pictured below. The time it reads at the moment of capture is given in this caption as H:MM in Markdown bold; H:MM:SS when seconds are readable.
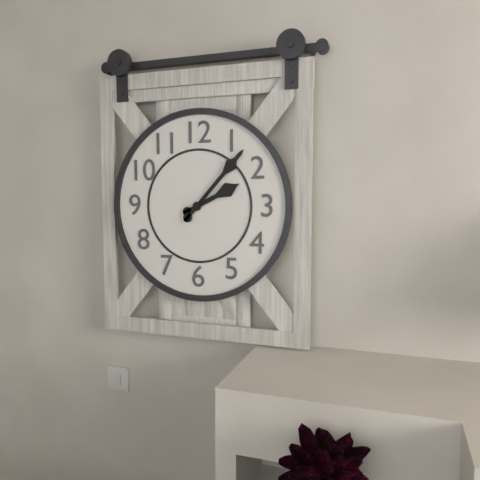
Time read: **2:07**
